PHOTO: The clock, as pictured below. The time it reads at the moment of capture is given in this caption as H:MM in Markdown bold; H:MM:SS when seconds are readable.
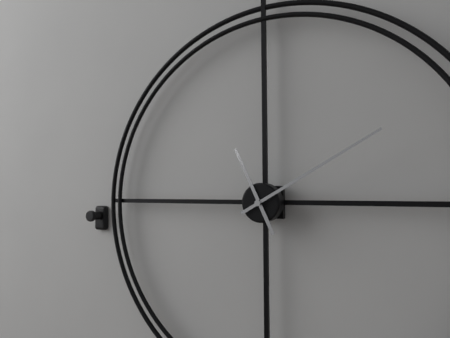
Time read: **11:10**
